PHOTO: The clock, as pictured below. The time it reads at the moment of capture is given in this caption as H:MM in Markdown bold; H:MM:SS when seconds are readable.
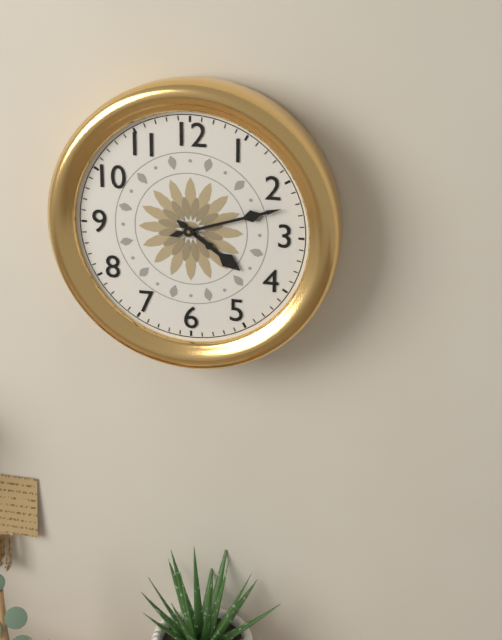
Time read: **4:12**
